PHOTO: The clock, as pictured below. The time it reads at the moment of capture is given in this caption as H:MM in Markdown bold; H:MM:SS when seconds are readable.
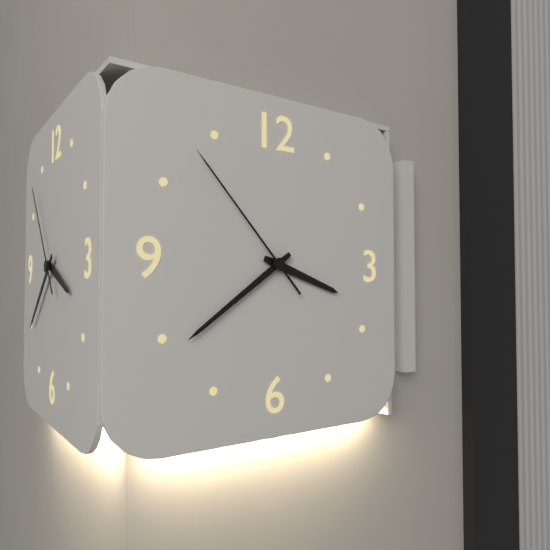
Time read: **3:39:53**
